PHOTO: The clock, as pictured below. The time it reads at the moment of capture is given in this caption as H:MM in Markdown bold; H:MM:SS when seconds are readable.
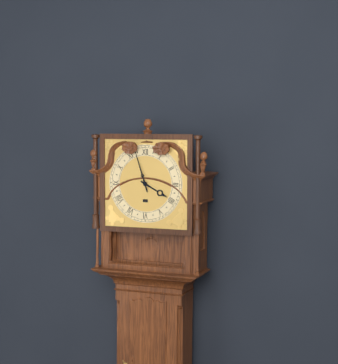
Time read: **3:57**
